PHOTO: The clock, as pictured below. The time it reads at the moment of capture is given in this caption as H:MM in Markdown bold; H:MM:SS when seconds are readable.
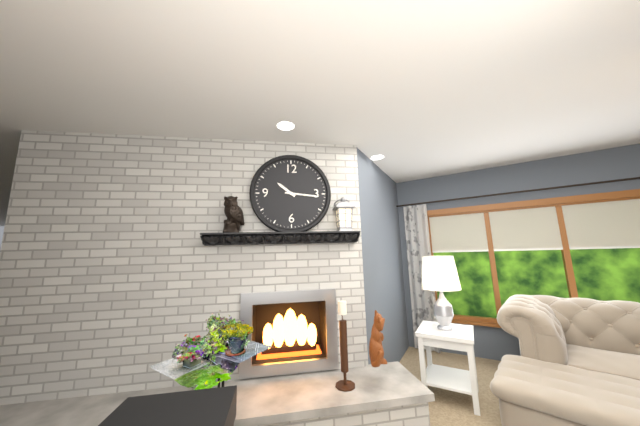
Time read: **10:16**
